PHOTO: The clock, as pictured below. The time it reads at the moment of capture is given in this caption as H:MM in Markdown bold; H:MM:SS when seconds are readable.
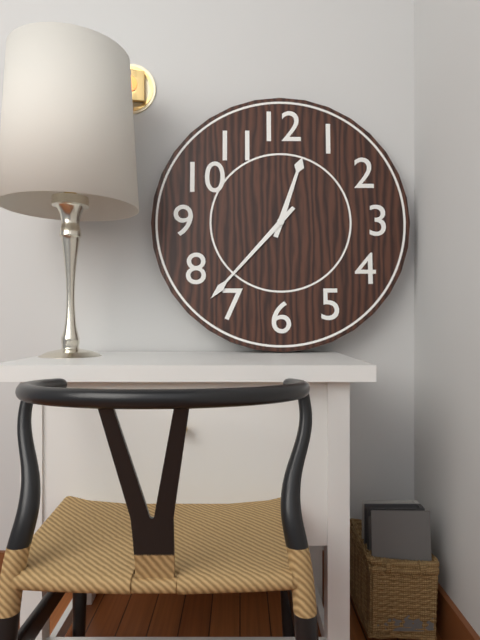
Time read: **12:37**
